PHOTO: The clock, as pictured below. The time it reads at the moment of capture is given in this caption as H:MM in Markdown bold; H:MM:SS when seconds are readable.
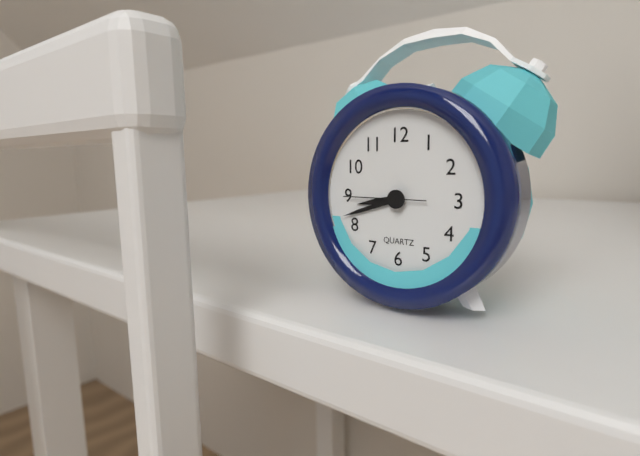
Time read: **8:42:45**
